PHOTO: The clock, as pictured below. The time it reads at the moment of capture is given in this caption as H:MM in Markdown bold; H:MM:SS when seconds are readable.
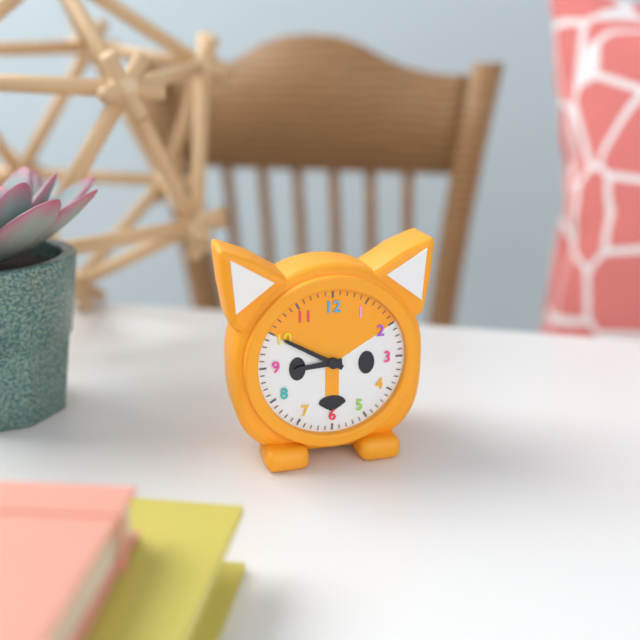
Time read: **8:50**
